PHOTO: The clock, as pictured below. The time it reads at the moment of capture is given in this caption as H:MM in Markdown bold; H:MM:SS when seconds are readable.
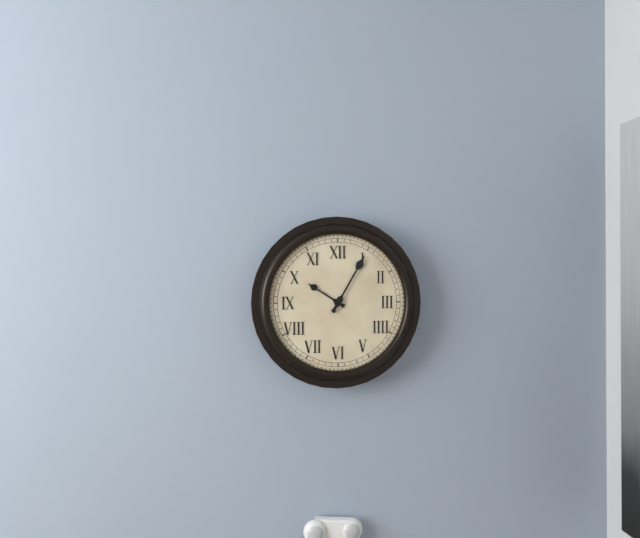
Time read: **10:05**
